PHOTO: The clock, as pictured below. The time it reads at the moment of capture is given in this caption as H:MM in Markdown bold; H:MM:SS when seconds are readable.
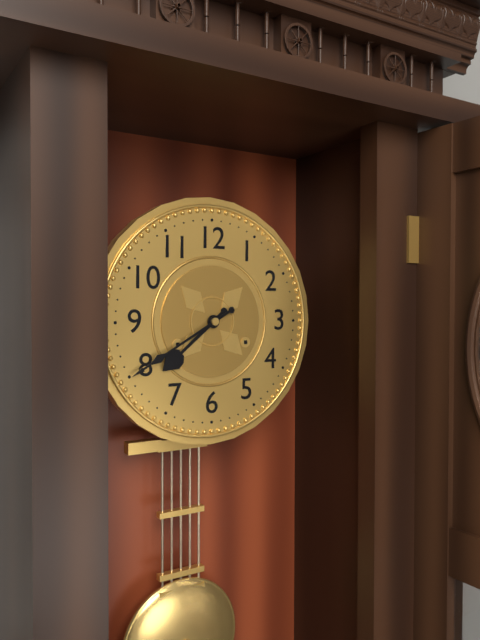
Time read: **7:40**
